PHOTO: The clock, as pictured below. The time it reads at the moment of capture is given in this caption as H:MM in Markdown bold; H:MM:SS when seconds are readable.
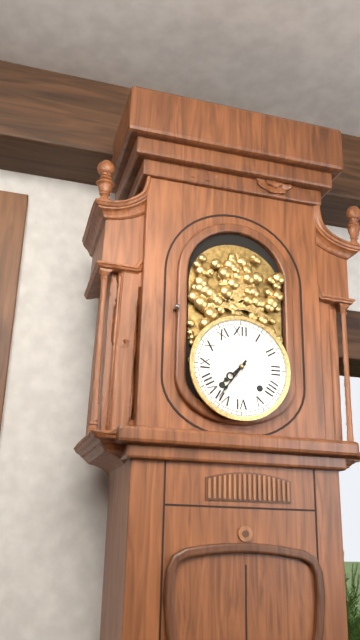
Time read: **7:36**
